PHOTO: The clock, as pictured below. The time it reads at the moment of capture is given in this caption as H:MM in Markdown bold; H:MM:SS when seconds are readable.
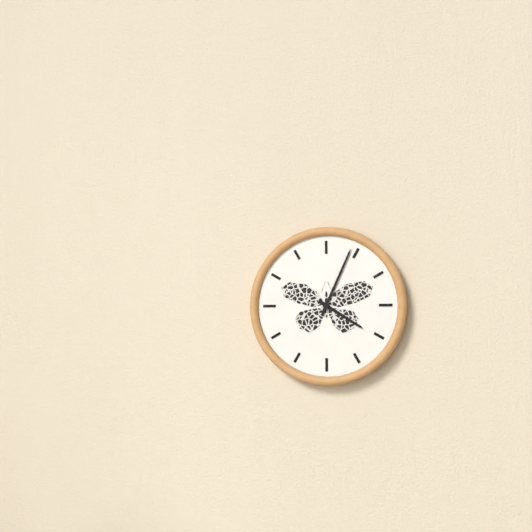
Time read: **4:04**
